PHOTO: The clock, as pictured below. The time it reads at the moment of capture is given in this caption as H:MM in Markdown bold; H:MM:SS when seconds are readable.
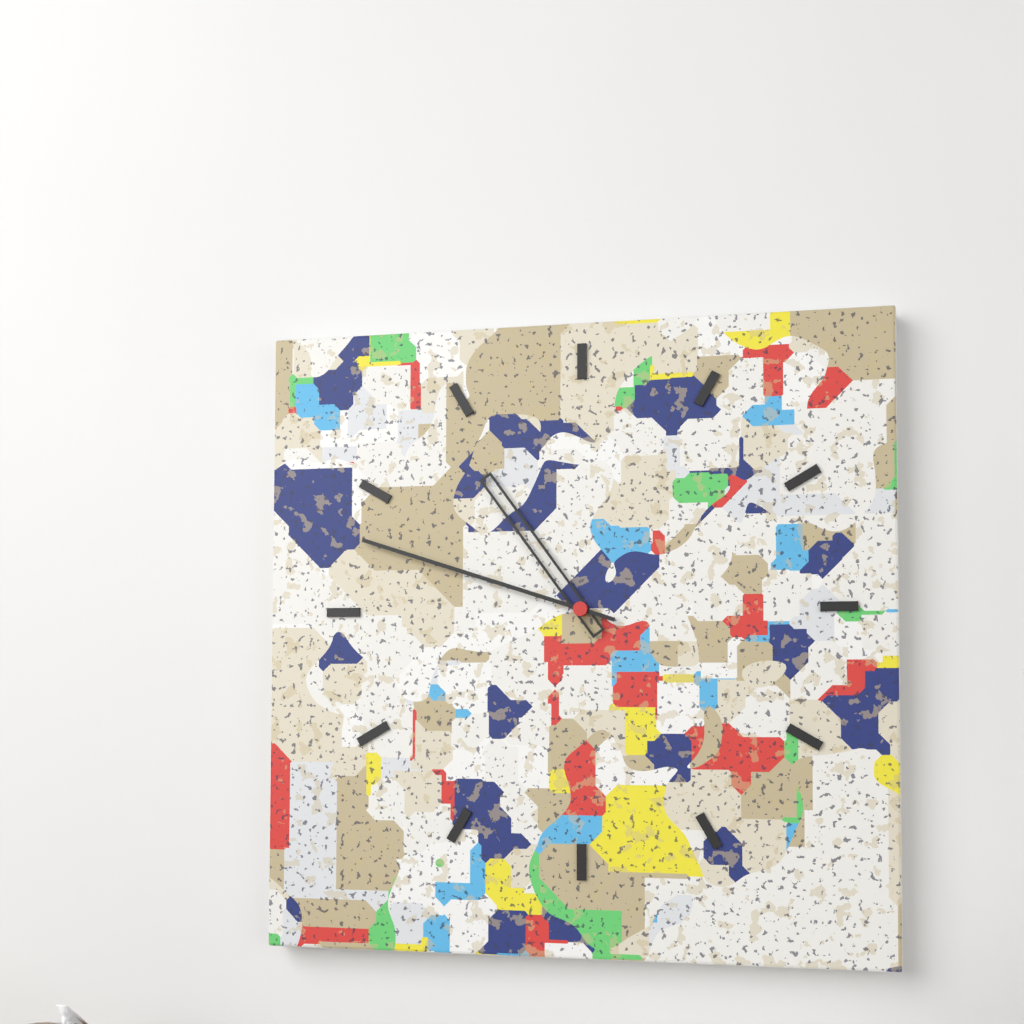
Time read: **10:48**
